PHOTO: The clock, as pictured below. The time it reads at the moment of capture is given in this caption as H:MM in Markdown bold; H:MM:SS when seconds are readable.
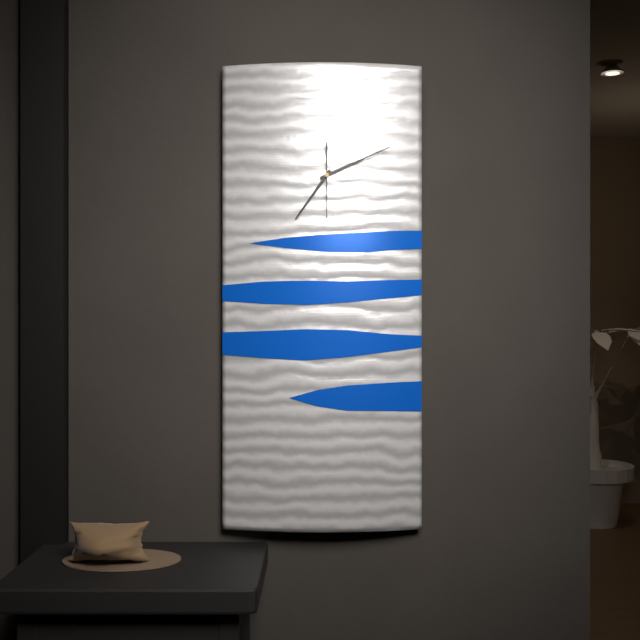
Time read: **7:11**
